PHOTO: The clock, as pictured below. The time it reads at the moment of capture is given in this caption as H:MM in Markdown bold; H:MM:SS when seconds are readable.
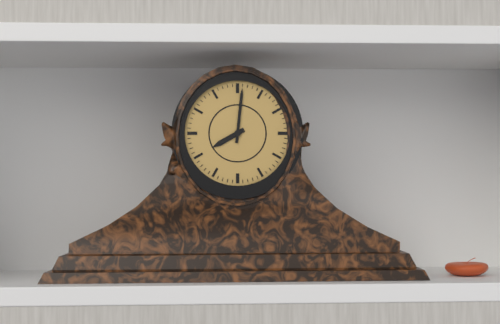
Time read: **8:01**
